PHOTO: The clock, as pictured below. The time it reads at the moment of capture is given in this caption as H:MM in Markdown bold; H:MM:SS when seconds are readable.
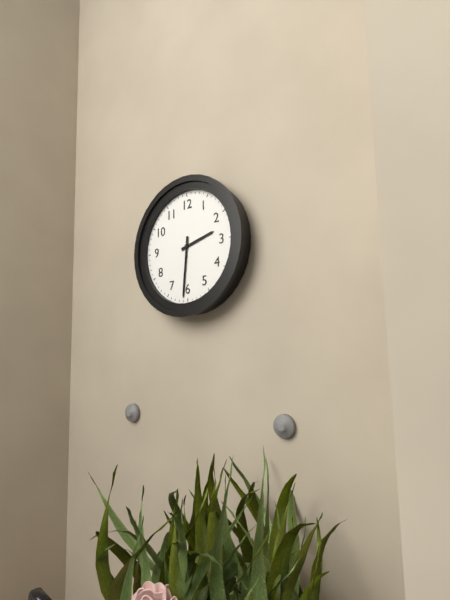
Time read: **2:31**
